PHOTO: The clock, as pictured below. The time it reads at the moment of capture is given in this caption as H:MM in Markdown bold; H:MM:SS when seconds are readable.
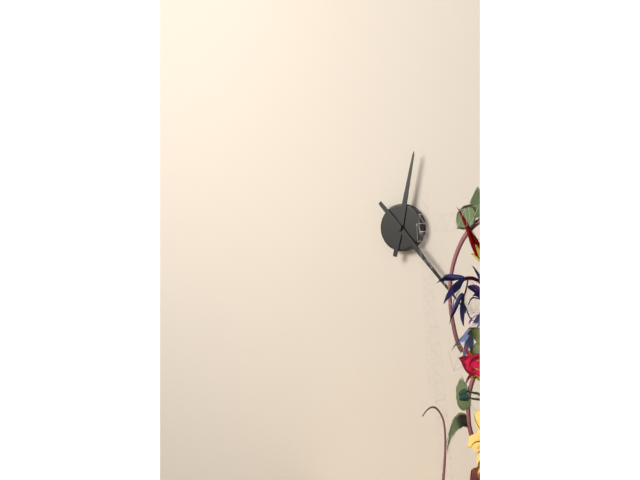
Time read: **12:23**
